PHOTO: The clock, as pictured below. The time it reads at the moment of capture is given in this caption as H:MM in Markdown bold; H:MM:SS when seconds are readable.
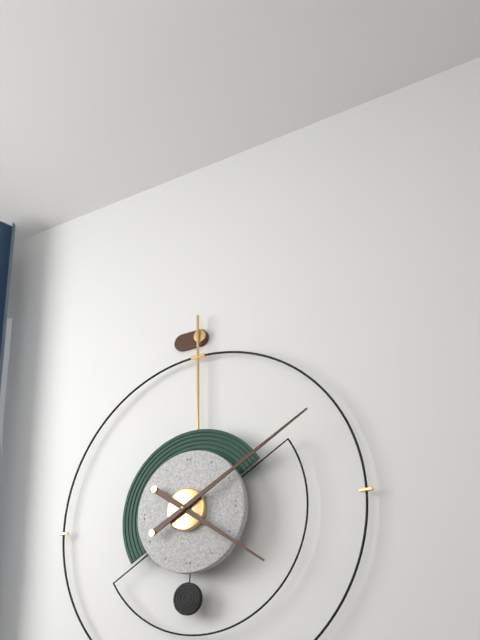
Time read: **4:10**
